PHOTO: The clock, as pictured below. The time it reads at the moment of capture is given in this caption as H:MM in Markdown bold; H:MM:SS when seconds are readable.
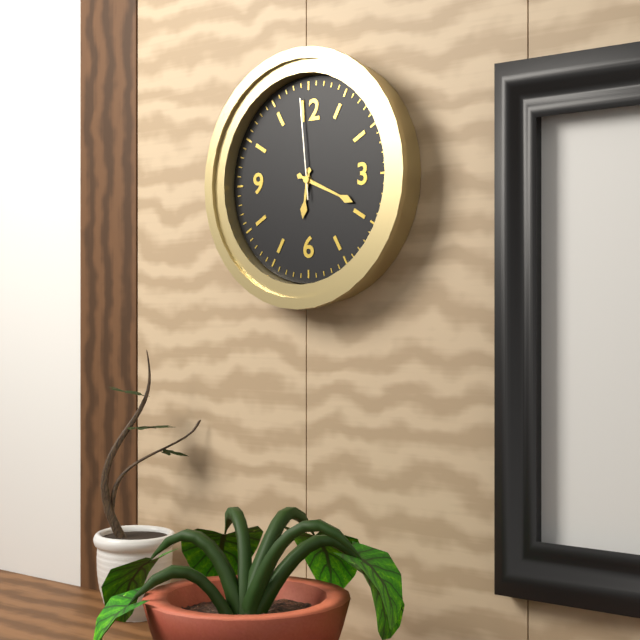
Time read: **6:19:59**
